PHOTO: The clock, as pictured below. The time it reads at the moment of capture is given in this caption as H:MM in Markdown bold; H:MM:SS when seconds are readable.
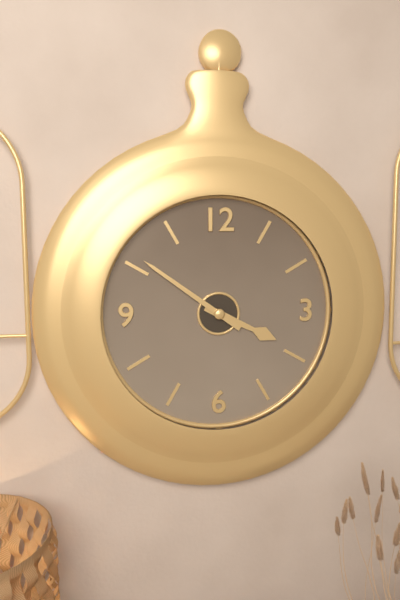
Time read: **3:51**
